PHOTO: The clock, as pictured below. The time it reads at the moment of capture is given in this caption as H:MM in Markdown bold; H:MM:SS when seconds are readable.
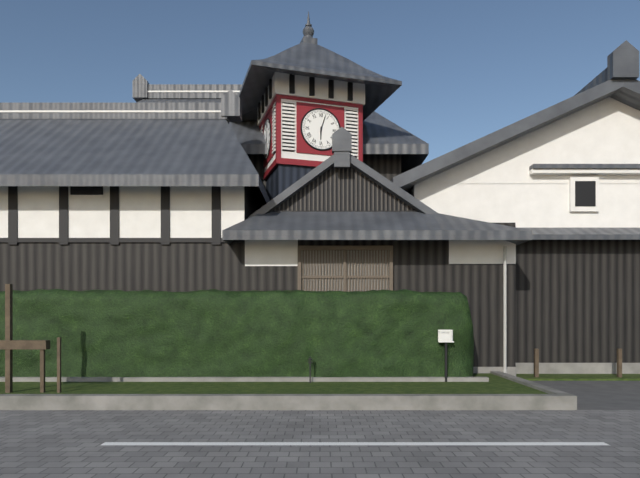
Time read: **6:03**
